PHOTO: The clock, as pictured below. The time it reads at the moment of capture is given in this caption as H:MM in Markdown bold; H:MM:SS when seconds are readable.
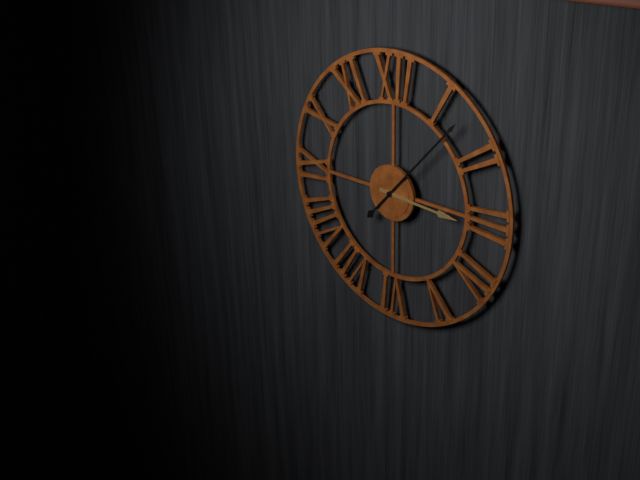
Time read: **3:07**
